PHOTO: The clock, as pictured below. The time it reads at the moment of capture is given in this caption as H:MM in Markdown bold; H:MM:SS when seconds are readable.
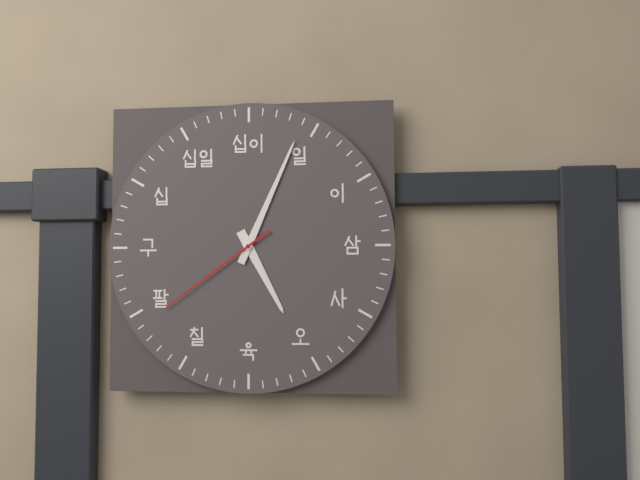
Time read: **5:04:39**
